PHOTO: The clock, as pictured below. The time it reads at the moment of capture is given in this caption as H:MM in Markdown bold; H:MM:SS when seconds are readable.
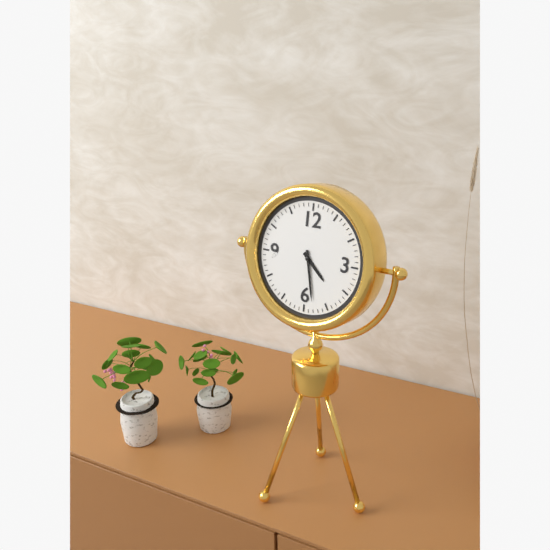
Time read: **4:28**
